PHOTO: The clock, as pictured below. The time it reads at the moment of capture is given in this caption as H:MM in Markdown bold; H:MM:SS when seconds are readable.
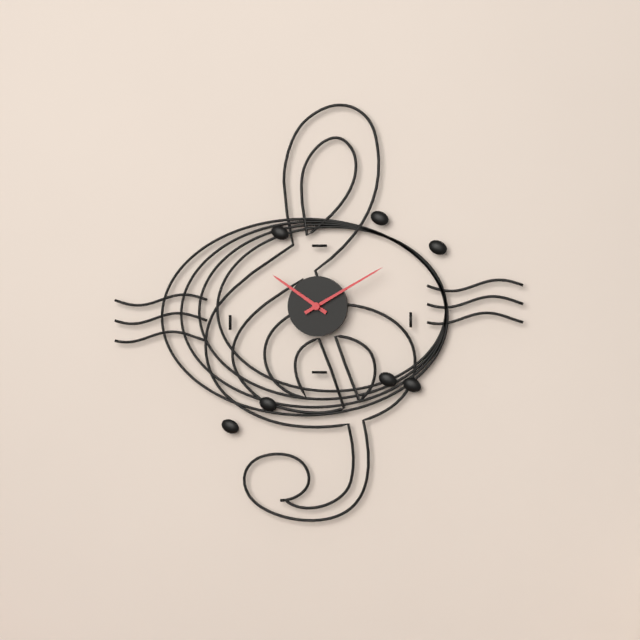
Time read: **10:10**
